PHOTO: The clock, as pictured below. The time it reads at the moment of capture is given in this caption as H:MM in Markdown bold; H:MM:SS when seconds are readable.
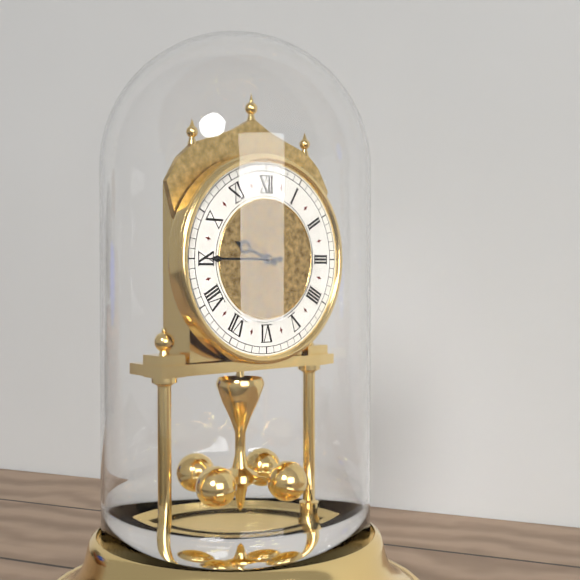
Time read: **9:45**
